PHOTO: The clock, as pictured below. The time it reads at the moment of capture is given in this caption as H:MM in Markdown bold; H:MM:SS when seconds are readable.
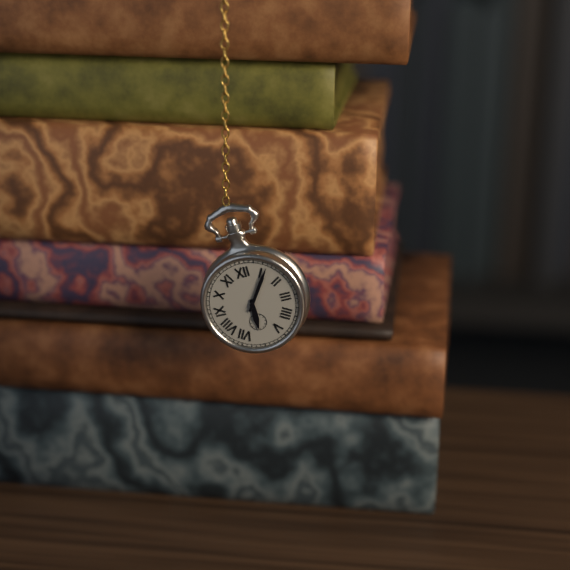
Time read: **6:06**
